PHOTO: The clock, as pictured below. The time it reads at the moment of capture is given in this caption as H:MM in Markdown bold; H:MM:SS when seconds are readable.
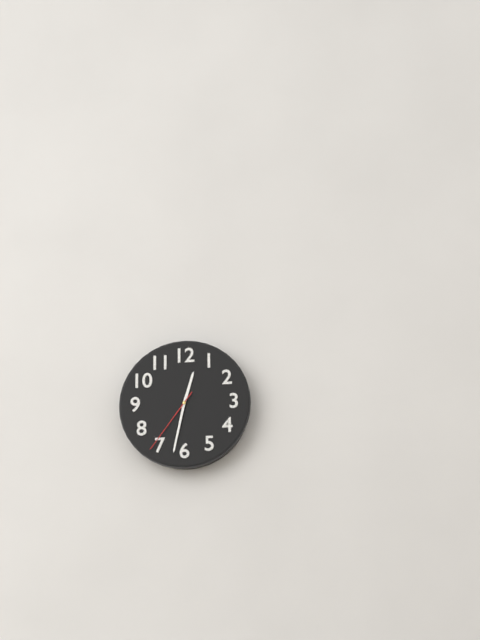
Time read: **12:32:36**
